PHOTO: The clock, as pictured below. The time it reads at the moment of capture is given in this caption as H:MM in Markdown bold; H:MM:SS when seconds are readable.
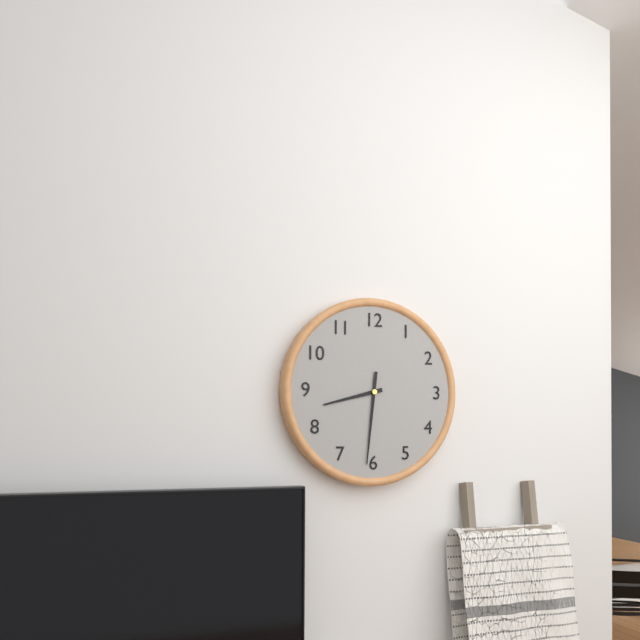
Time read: **8:31**
